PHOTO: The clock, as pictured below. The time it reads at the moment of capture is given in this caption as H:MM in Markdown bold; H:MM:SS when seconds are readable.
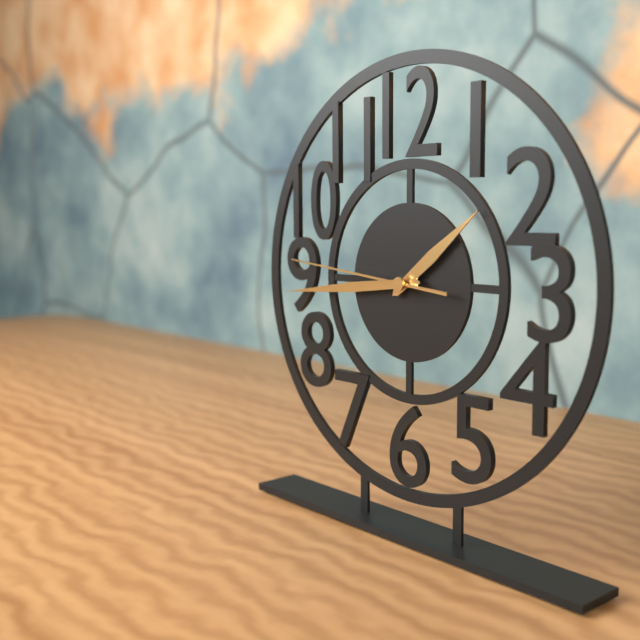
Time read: **1:44:46**
